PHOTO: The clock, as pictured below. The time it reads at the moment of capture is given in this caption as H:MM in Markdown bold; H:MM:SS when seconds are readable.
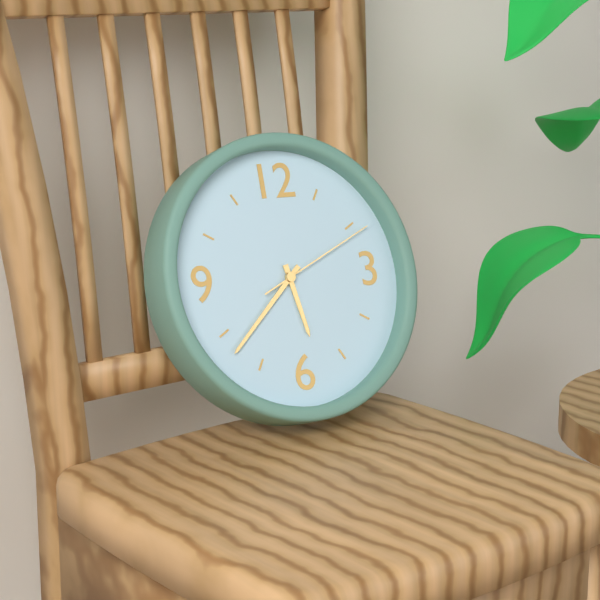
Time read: **5:38:11**
